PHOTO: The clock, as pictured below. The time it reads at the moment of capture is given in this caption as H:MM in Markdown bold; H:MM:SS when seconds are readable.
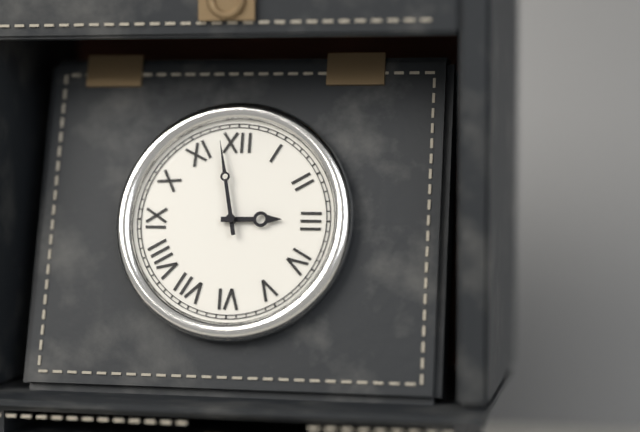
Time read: **2:58**
